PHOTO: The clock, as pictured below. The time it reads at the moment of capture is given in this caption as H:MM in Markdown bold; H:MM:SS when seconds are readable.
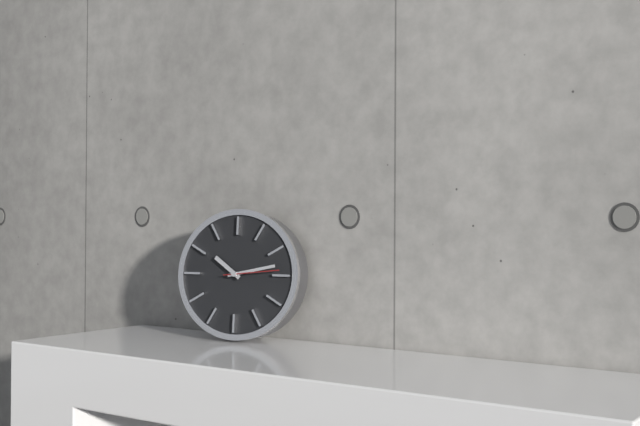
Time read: **10:13:14**
